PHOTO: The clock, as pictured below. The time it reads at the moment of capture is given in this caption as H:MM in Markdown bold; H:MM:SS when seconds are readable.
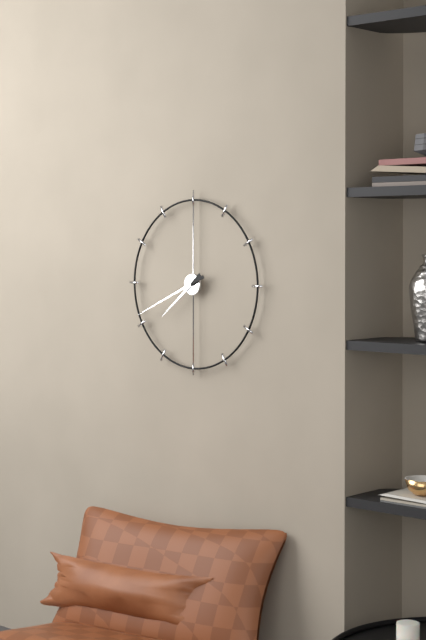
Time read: **7:41**
